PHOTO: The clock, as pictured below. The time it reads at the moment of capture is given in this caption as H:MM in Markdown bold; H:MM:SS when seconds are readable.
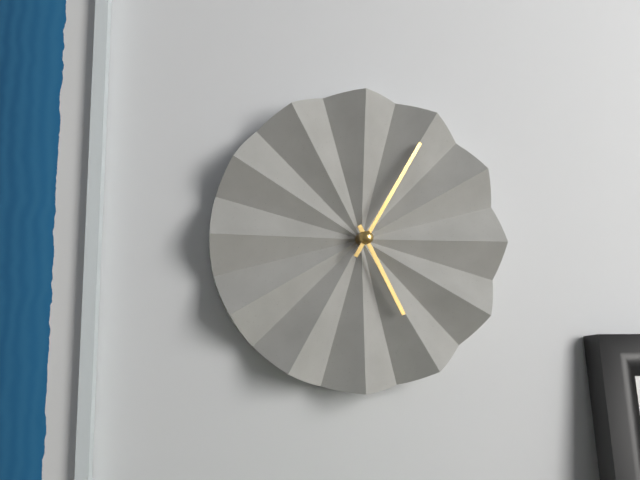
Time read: **5:05**
